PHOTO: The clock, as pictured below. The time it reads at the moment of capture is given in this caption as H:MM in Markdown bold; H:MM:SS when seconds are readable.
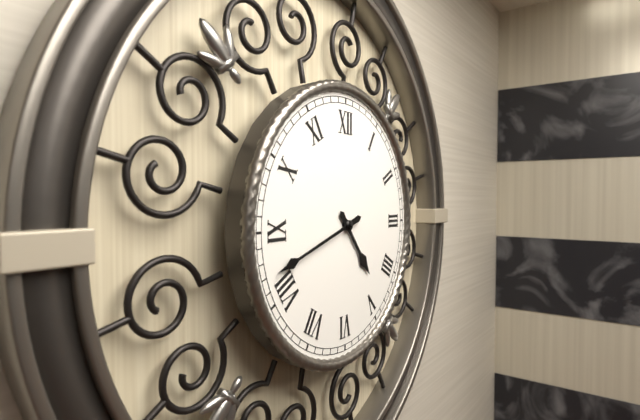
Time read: **4:42**
